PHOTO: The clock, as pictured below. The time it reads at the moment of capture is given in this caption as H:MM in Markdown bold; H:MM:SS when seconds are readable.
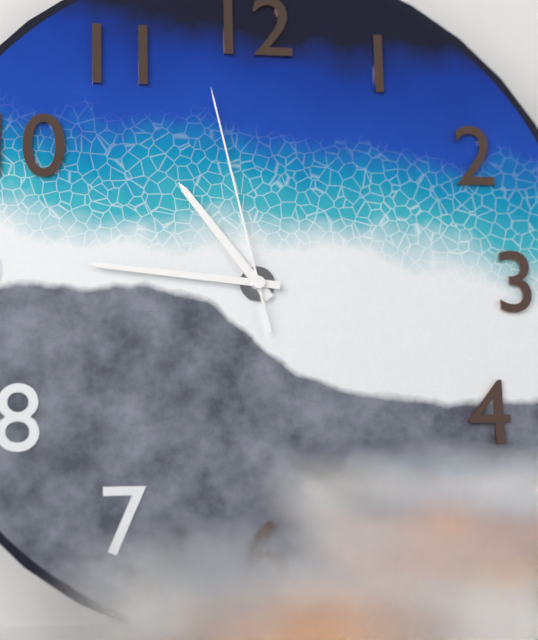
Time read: **10:46:58**
